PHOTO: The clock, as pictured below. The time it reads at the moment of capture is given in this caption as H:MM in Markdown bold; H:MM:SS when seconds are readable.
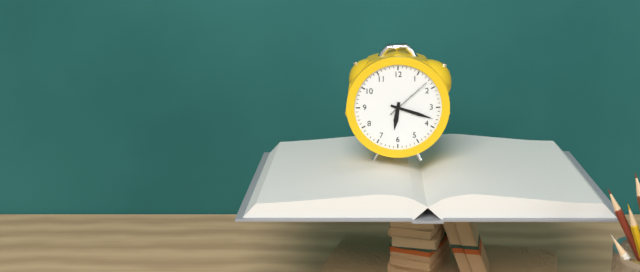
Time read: **6:18**
